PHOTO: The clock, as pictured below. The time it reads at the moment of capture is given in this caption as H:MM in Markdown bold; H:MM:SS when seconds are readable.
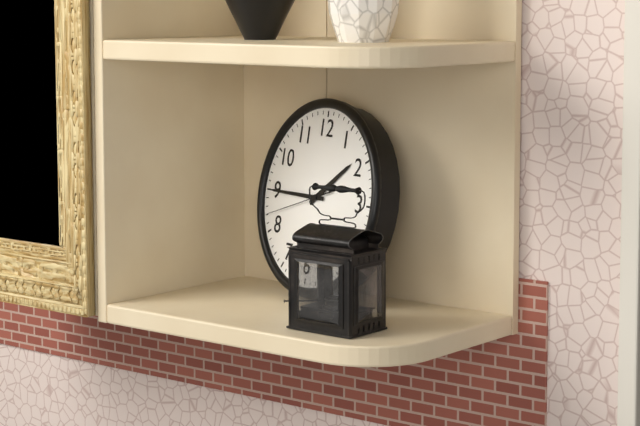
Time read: **1:45:42**
